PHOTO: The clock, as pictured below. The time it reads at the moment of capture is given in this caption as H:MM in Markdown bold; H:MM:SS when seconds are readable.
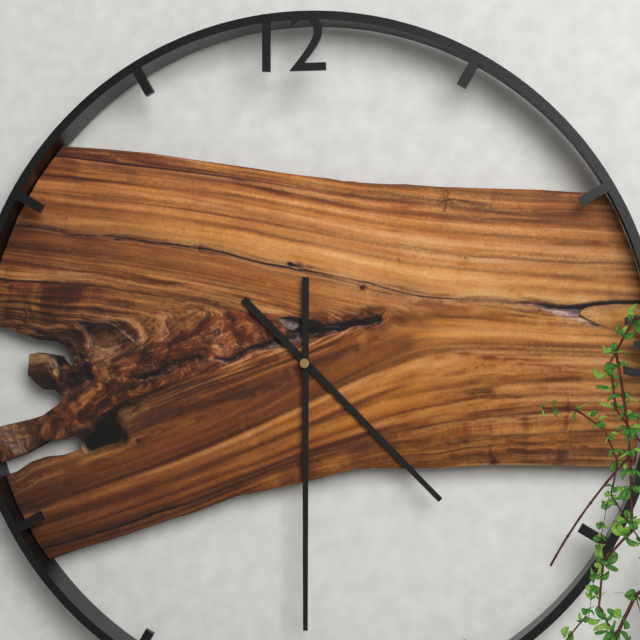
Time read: **4:30**
